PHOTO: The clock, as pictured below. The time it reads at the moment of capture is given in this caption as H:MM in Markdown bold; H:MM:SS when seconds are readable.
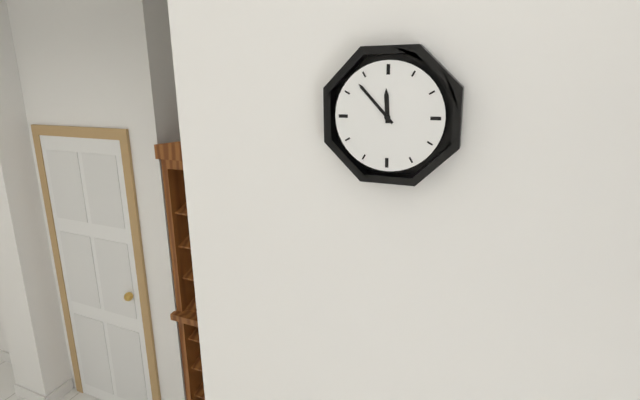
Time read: **11:53**
